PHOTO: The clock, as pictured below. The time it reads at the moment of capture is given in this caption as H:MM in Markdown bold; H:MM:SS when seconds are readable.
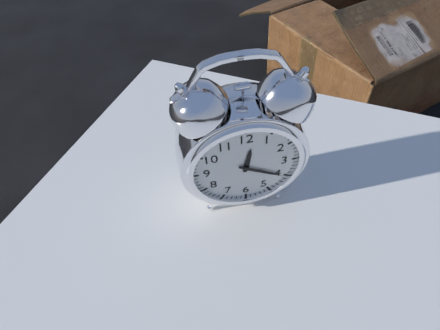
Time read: **12:20**
